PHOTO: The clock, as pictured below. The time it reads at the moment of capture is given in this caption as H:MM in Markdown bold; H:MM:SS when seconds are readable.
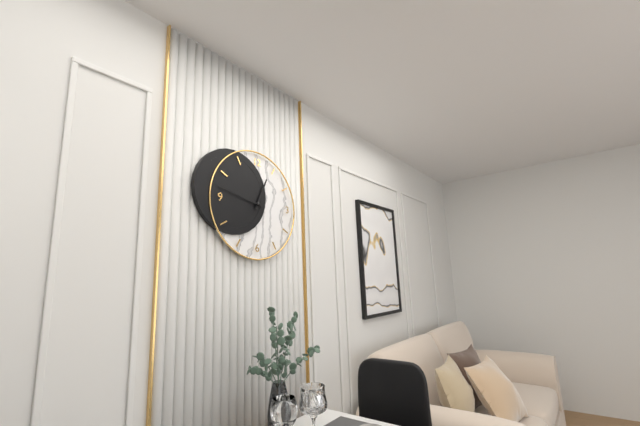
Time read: **12:47**
